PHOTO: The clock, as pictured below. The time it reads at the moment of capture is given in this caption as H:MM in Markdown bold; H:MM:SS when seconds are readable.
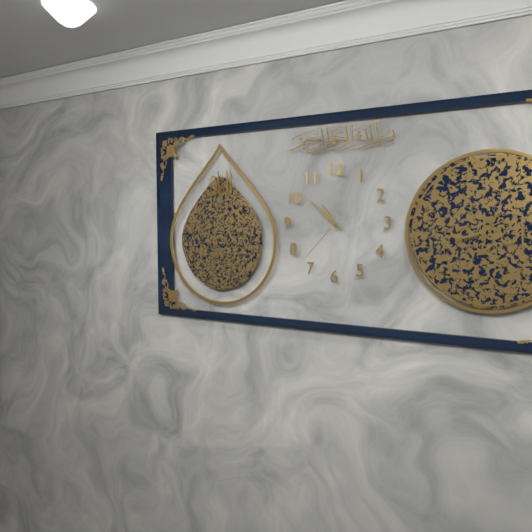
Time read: **10:52:37**
